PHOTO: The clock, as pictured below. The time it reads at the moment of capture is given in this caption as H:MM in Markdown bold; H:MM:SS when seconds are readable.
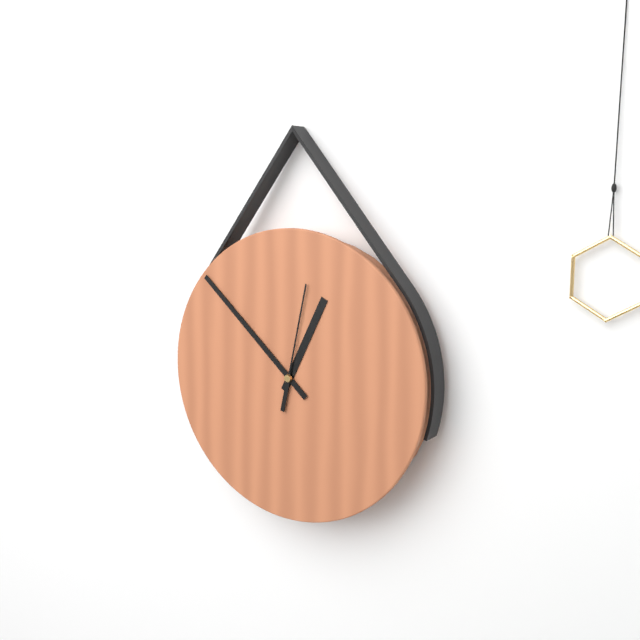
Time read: **12:52:02**
